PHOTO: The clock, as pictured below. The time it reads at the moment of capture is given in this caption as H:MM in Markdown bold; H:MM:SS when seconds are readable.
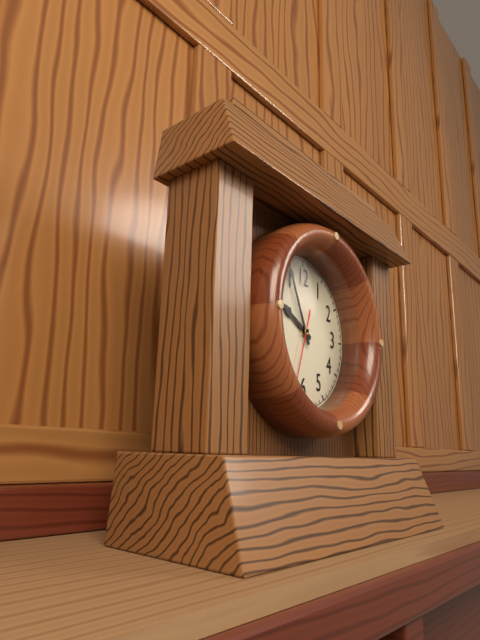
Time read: **9:56:33**
